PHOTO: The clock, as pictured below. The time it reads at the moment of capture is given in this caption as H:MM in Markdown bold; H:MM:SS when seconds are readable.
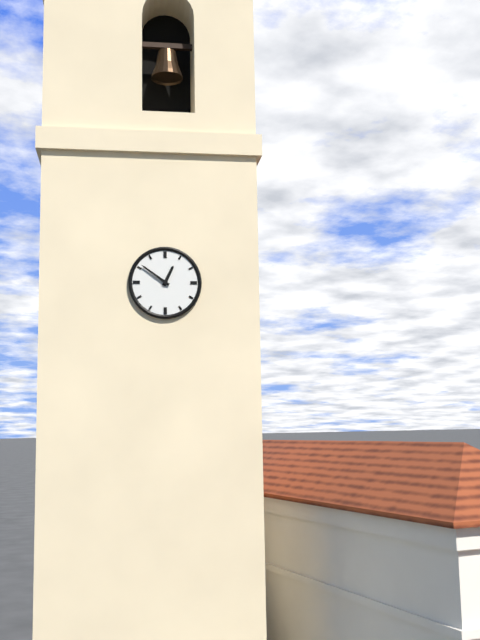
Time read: **12:51**
